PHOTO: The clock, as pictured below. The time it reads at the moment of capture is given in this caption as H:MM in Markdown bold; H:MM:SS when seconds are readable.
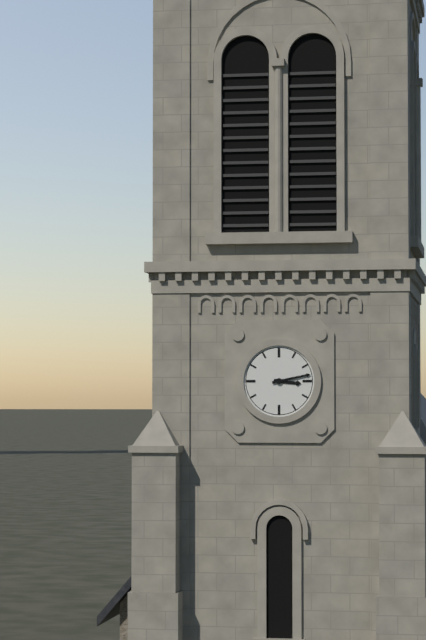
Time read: **3:13**
